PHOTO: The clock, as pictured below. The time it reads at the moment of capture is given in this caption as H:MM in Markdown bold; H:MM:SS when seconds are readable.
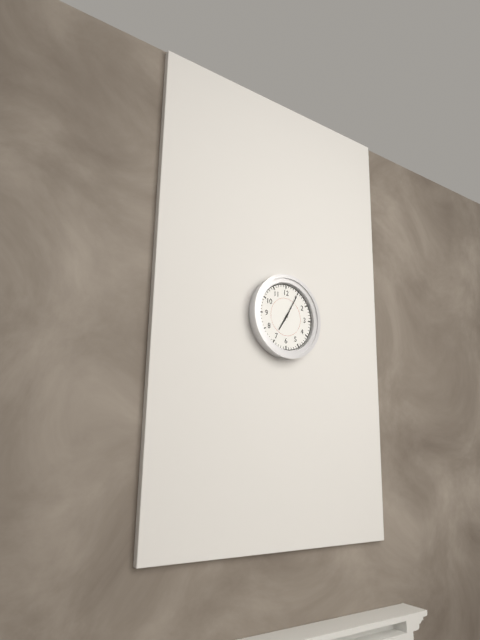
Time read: **7:05**
